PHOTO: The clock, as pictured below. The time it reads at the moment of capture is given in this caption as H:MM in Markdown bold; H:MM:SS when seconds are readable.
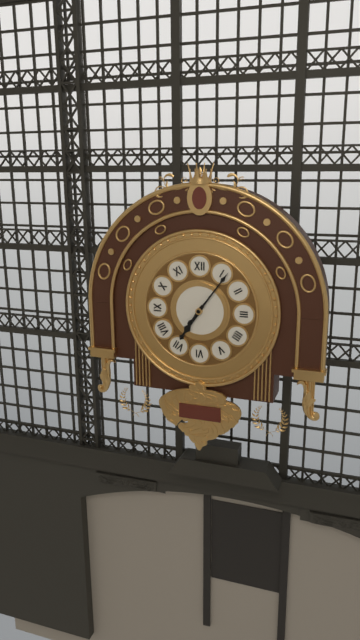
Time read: **7:06**
